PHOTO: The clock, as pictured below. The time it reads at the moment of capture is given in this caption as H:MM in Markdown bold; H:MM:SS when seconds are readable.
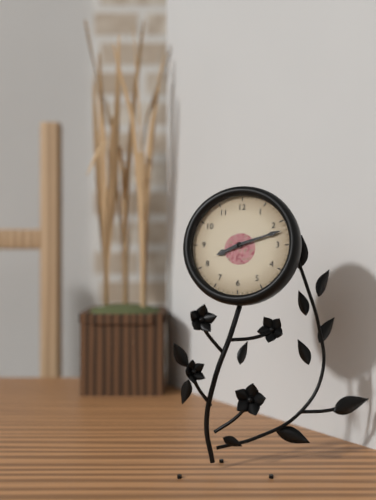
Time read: **8:12**
